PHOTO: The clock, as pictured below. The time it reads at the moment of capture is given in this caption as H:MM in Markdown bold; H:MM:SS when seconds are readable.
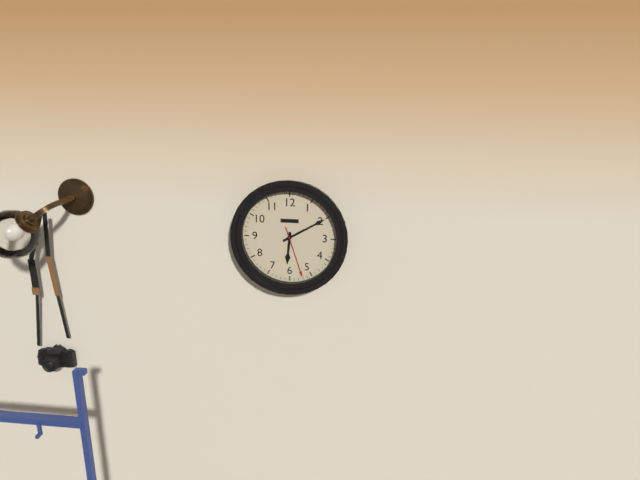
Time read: **6:10:27**
